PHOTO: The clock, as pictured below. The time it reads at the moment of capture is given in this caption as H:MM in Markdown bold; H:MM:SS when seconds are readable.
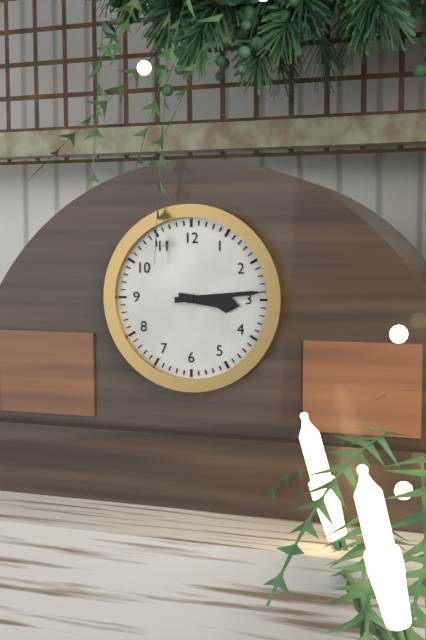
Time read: **3:14**
